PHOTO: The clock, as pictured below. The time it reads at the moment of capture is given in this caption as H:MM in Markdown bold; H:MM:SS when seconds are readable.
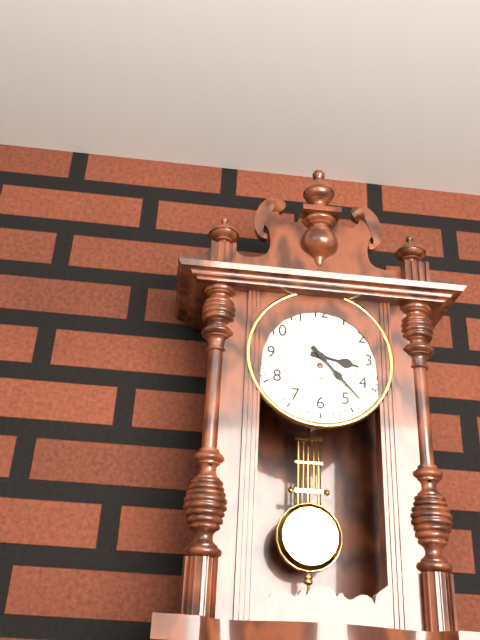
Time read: **3:23**
